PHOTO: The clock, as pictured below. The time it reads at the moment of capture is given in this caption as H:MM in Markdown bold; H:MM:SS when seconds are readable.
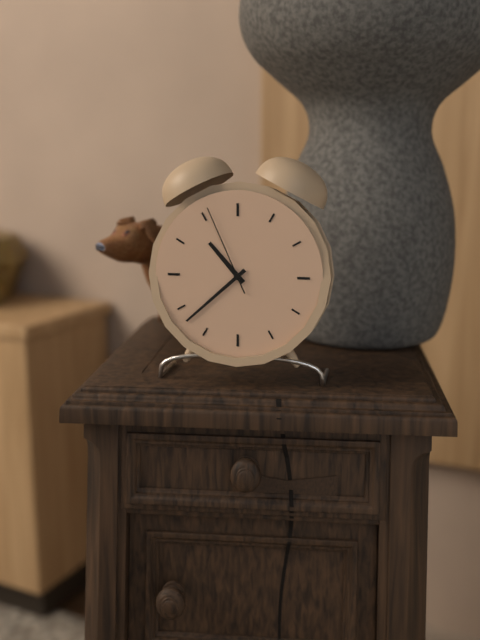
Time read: **10:38:56**
